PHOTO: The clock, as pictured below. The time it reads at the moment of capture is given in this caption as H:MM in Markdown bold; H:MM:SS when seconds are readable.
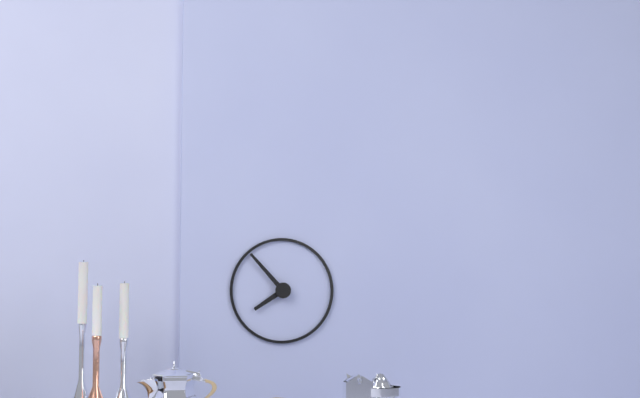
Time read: **7:53**
